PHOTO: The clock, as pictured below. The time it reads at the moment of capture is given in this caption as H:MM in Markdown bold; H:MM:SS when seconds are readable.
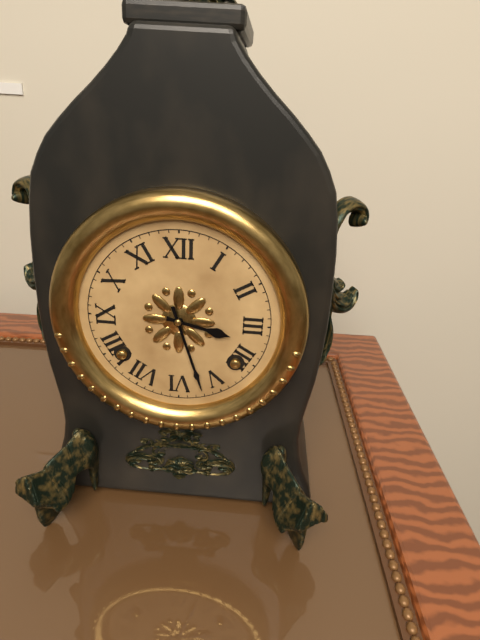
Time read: **3:27**
